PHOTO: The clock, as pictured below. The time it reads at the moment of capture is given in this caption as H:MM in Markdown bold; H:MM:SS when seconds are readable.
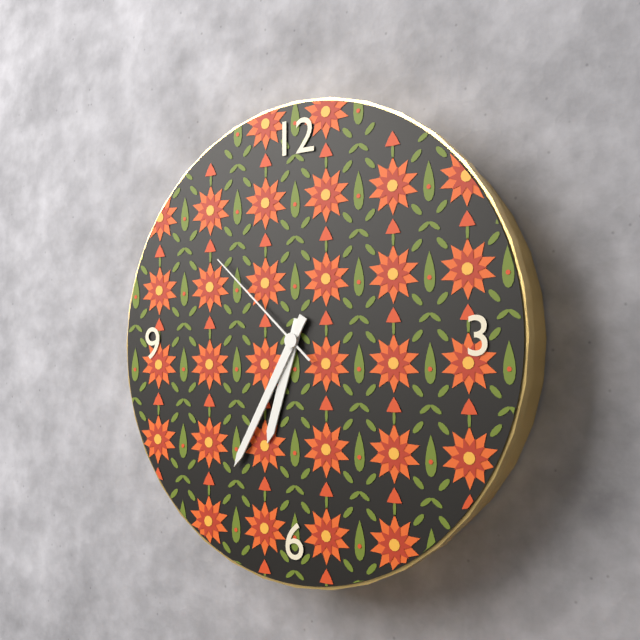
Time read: **6:35:52**
